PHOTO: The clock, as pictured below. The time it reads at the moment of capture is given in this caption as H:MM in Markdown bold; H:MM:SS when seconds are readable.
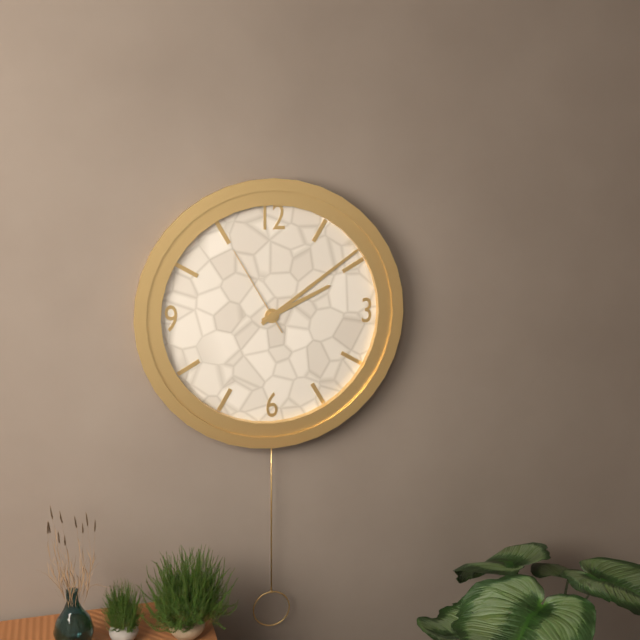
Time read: **2:09:55**
